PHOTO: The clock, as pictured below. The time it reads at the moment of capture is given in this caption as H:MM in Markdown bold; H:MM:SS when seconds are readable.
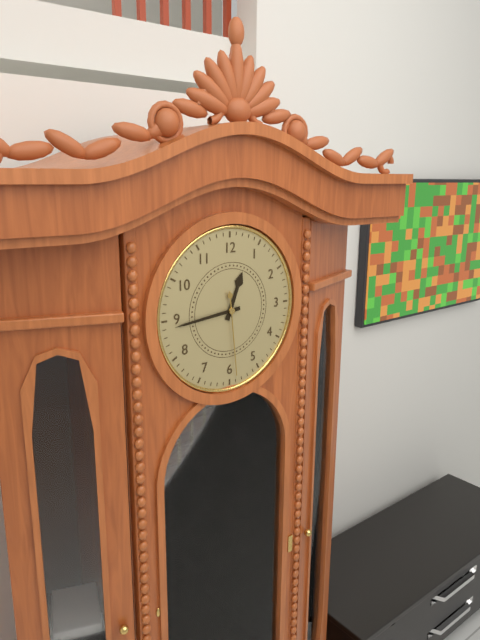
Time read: **12:44:29**
